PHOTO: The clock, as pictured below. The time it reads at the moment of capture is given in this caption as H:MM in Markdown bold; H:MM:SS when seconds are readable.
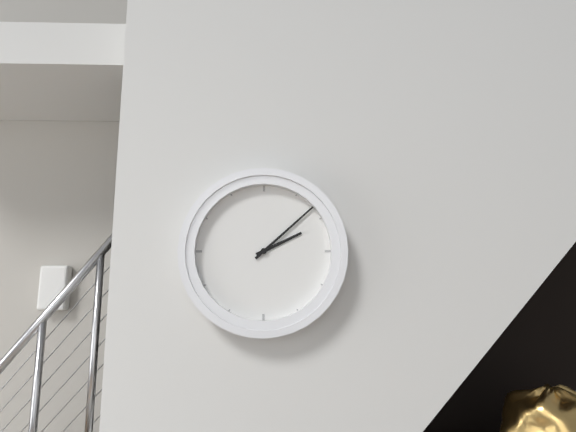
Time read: **2:08**
